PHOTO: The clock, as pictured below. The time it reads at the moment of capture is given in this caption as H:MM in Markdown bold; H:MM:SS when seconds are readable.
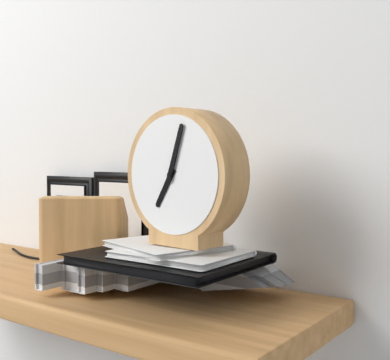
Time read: **7:03**
